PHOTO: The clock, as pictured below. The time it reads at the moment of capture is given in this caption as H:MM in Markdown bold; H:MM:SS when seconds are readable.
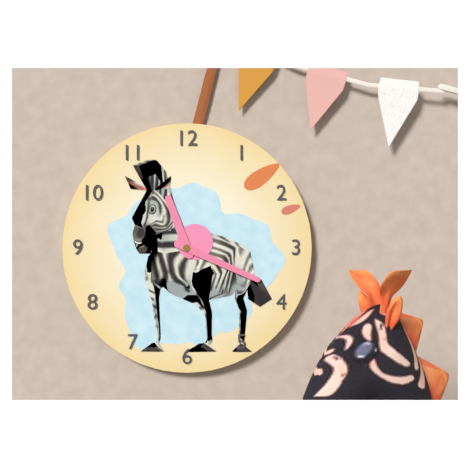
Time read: **11:19**
